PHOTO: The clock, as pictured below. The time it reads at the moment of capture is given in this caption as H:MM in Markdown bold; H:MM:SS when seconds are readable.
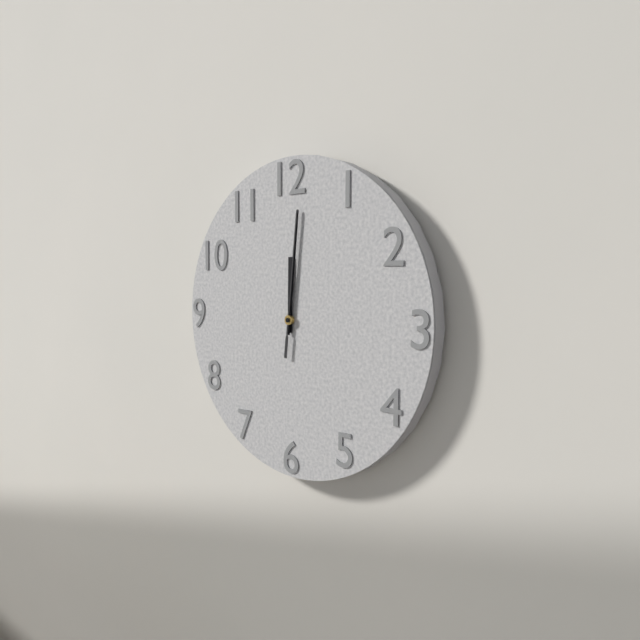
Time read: **12:01:01**
